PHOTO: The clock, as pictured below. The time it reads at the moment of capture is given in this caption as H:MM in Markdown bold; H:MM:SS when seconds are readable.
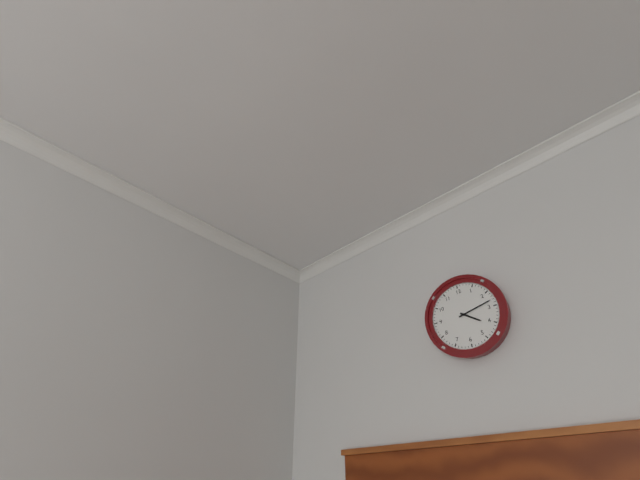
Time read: **4:13**
